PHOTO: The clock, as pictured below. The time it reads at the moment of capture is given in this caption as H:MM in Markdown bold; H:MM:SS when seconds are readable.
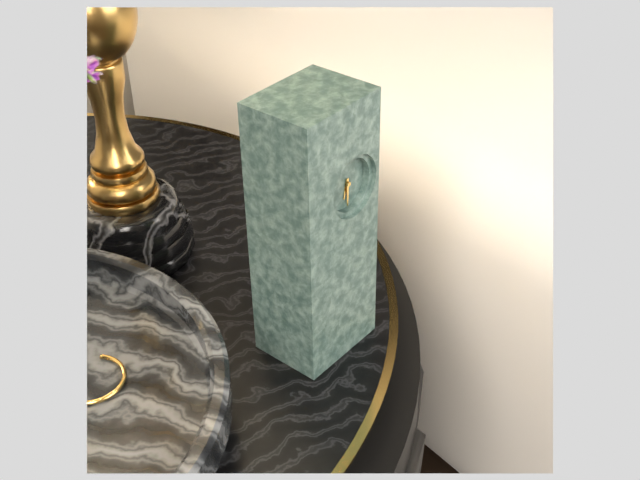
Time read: **6:30**
